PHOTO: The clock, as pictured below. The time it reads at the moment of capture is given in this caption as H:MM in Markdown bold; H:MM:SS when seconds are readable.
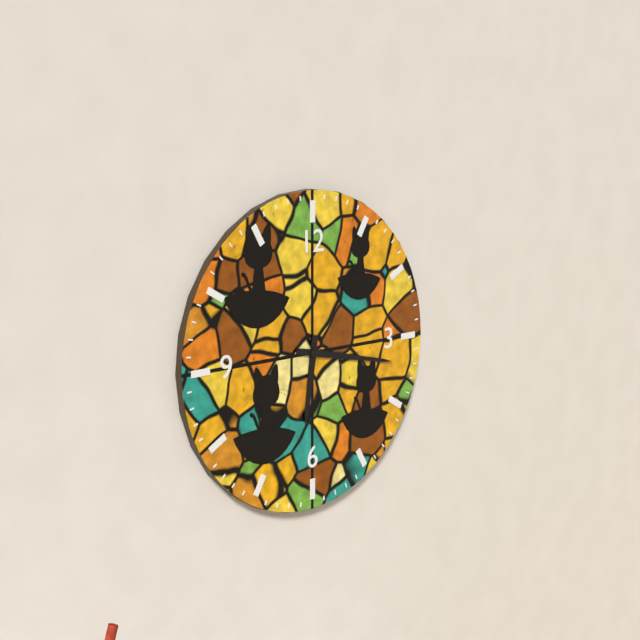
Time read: **6:17**
